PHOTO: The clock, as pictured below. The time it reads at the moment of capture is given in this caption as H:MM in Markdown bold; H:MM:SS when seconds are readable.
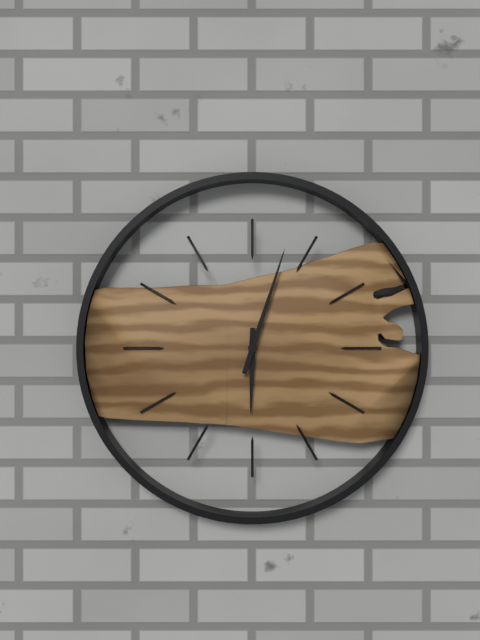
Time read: **6:03**
